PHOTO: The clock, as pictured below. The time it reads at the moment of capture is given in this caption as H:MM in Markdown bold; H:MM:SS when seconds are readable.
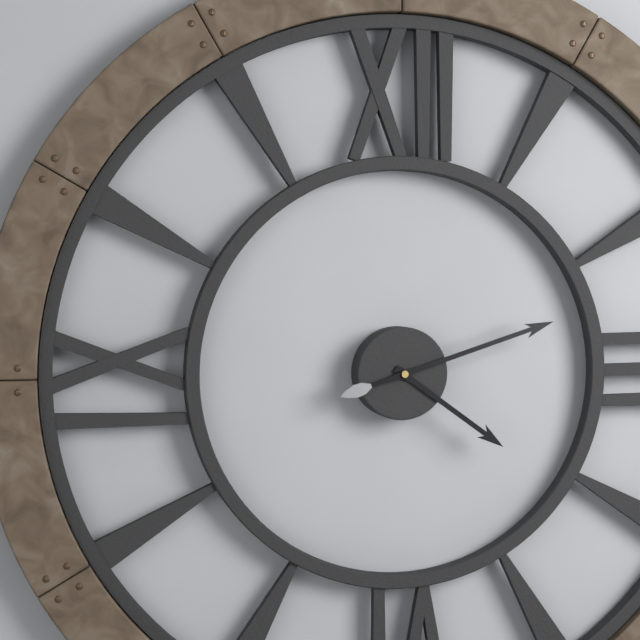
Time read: **4:12**
